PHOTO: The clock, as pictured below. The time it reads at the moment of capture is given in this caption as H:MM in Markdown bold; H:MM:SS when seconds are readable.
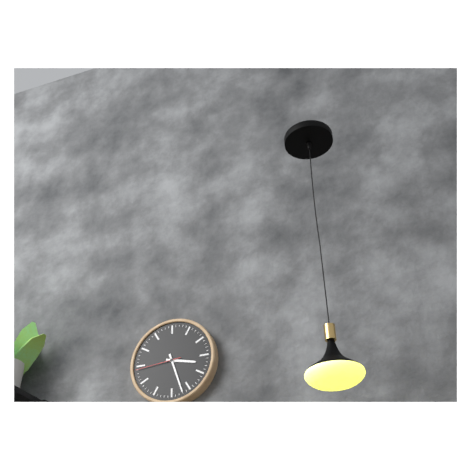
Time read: **3:27:44**
